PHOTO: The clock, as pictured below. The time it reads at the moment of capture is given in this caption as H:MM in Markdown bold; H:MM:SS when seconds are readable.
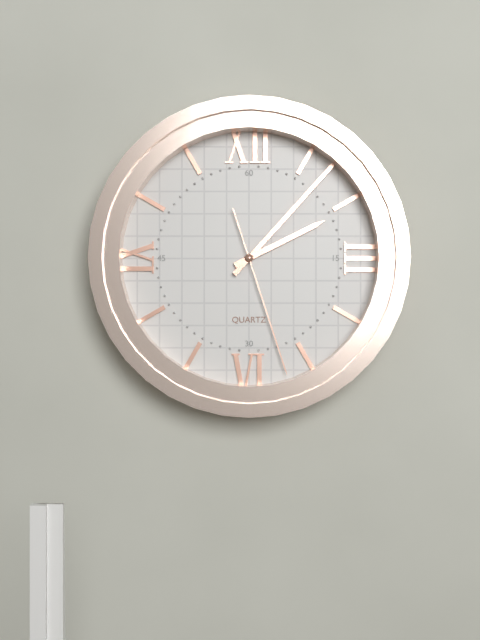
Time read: **2:07:27**
